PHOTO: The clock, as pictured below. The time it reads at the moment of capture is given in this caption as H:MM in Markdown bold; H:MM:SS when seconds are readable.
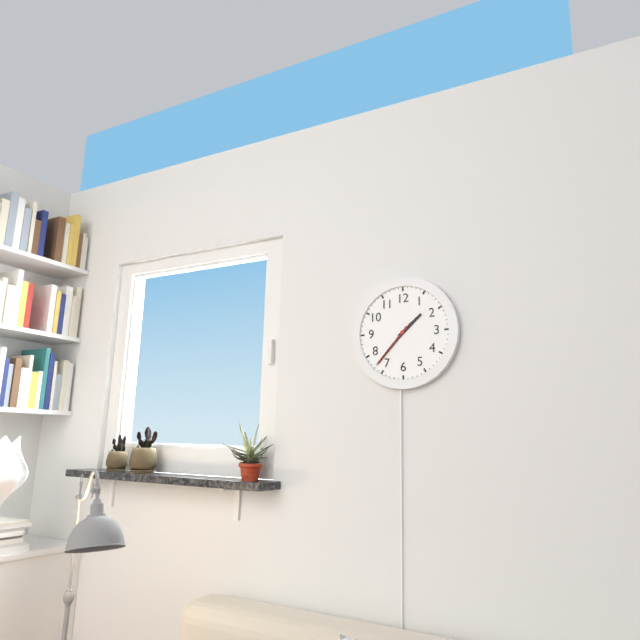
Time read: **1:37:37**
